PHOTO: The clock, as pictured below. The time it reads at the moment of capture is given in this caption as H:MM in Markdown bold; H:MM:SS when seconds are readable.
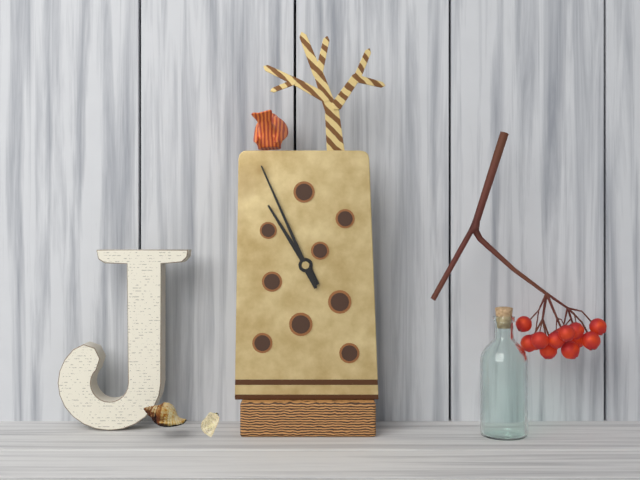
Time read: **10:56**
